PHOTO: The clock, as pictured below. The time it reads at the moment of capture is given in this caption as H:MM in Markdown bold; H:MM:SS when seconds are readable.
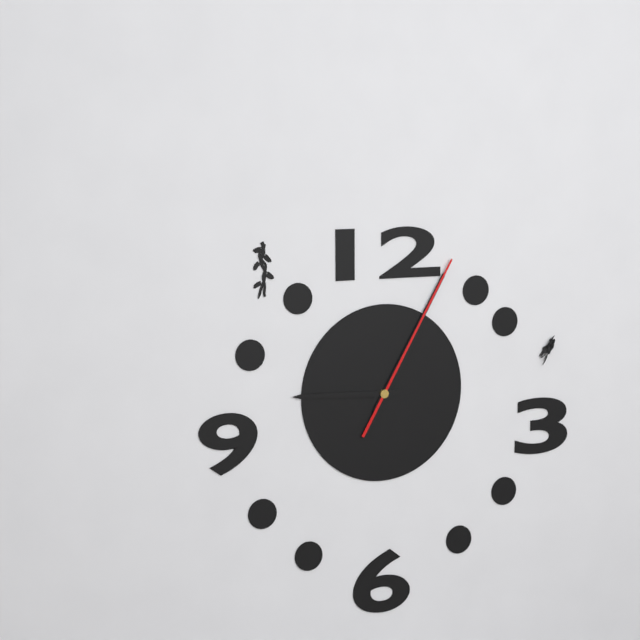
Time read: **9:05:05**
